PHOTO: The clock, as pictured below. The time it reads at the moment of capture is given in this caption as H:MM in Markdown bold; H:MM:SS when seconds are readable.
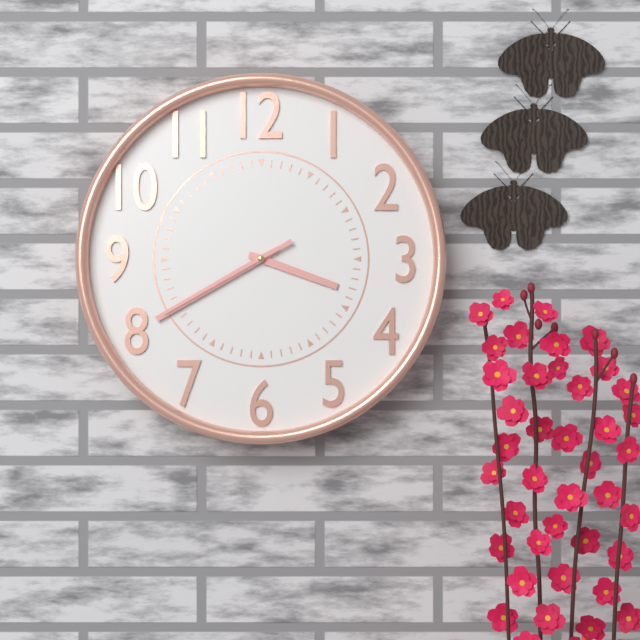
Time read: **3:40:40**
